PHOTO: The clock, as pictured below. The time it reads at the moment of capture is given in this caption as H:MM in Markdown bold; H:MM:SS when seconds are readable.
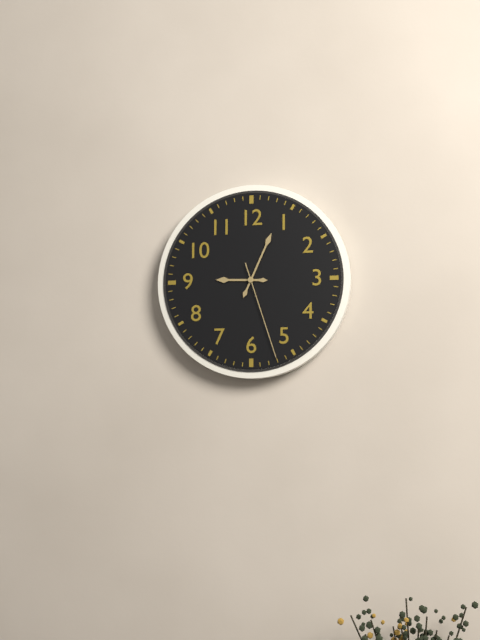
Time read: **9:04:27**
